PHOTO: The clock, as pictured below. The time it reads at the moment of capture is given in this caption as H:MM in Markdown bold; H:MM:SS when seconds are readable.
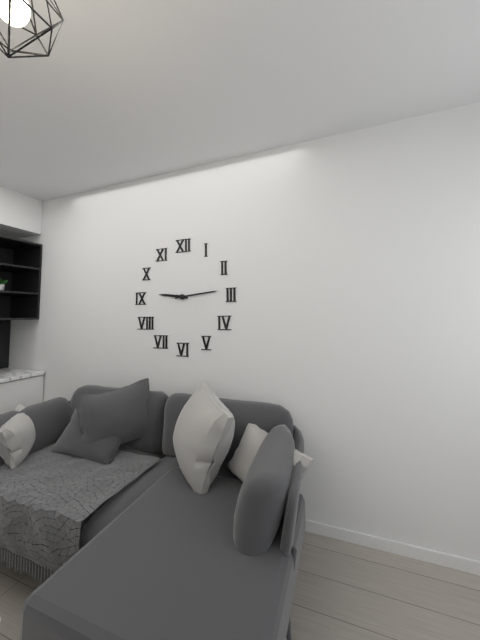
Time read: **9:14**
